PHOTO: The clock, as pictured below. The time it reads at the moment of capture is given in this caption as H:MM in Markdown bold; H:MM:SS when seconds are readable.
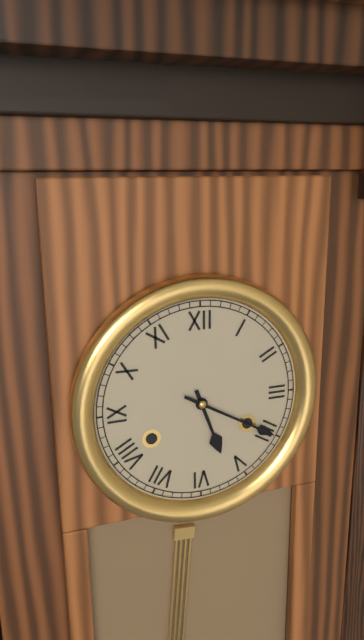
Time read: **5:20**
